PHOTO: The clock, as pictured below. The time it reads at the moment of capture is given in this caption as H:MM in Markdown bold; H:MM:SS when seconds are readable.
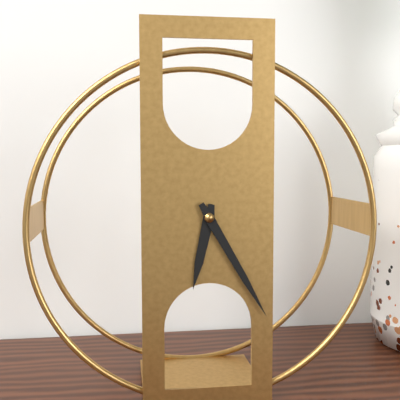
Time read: **6:25**
